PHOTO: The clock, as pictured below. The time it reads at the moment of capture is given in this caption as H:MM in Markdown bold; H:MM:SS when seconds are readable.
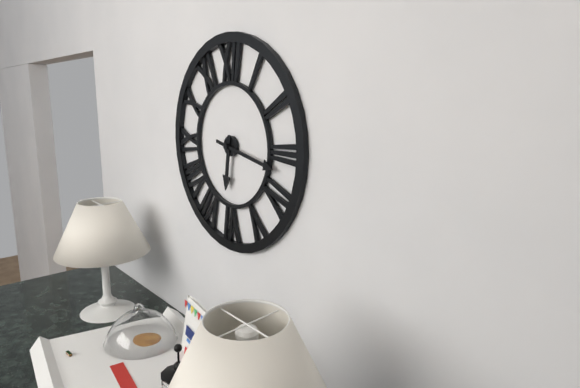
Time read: **6:17**
